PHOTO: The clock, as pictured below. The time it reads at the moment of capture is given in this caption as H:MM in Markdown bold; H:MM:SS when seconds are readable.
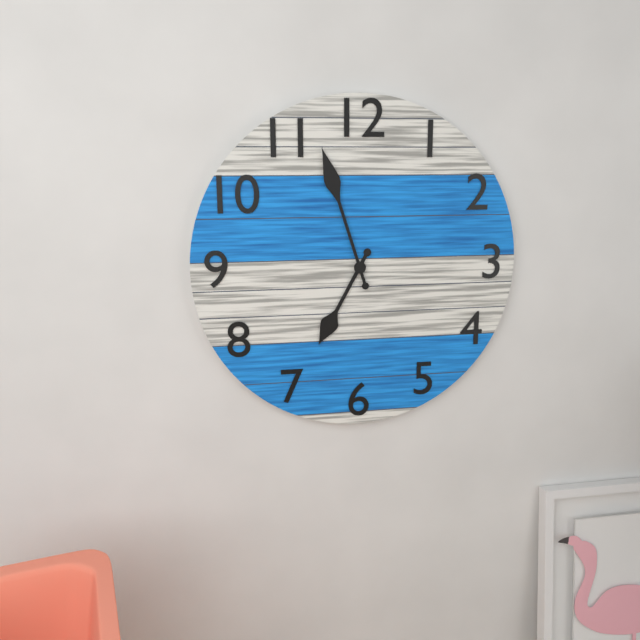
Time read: **6:57**
